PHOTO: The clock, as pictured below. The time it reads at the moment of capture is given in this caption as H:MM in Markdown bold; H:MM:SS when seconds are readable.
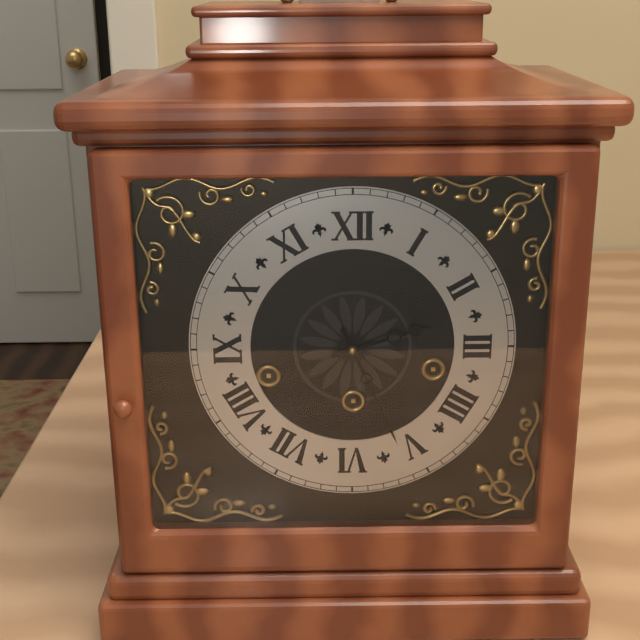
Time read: **2:26**
